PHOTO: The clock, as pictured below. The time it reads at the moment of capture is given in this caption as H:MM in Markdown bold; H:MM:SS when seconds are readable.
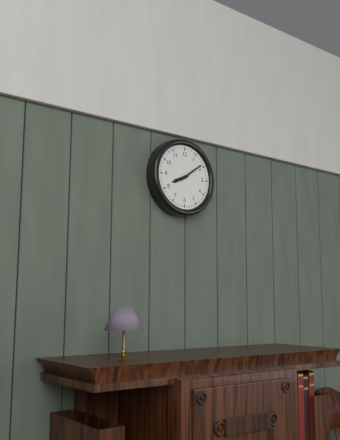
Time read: **8:09**
